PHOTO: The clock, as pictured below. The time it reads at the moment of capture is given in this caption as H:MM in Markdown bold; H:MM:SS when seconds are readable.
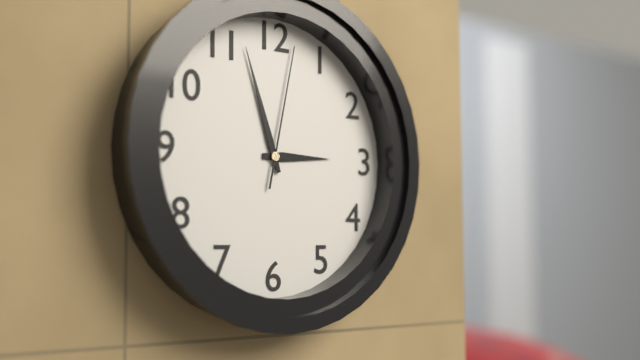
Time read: **2:57:02**
